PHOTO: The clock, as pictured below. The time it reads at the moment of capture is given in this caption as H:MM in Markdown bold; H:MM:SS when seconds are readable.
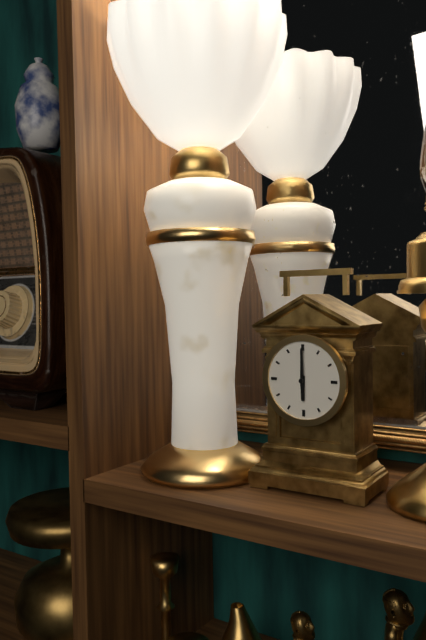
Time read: **6:00**
